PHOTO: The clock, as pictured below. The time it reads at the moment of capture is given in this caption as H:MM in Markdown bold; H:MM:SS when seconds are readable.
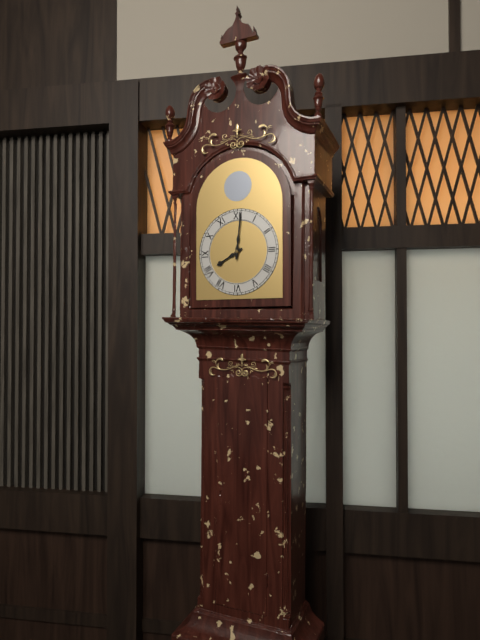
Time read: **8:01**
